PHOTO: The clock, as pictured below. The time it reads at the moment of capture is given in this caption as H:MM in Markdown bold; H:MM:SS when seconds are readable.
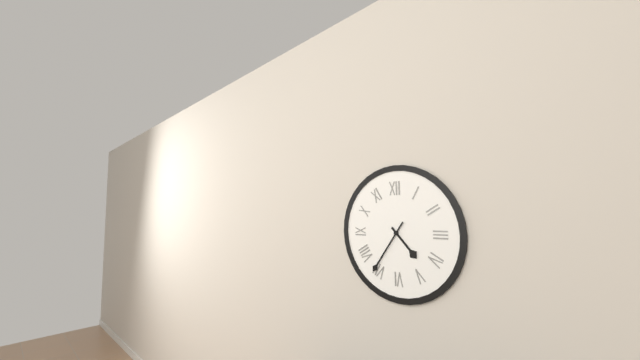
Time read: **4:36**
